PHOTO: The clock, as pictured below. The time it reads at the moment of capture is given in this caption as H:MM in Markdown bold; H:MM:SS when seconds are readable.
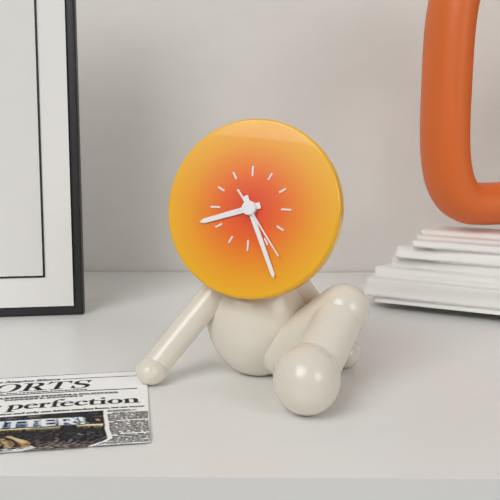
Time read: **8:26:24**
